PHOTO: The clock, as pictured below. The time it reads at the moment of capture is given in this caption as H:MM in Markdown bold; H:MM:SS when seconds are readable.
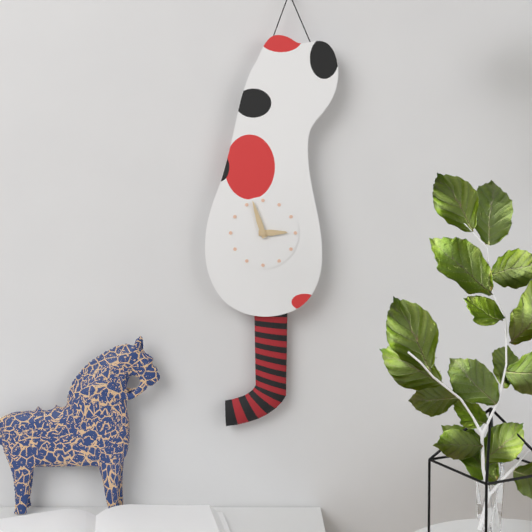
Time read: **2:57**
